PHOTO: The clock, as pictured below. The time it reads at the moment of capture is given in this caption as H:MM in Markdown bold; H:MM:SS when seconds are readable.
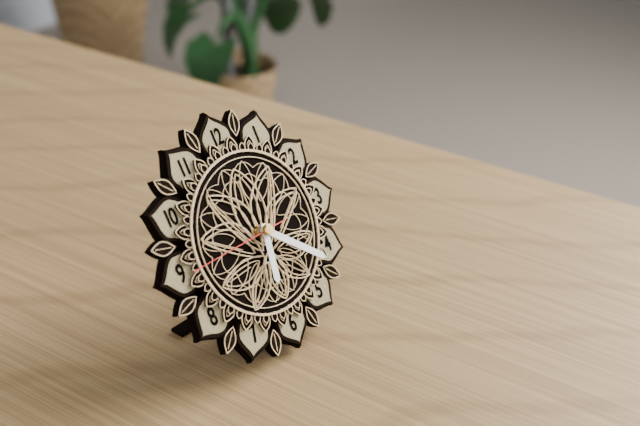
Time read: **6:22:45**
